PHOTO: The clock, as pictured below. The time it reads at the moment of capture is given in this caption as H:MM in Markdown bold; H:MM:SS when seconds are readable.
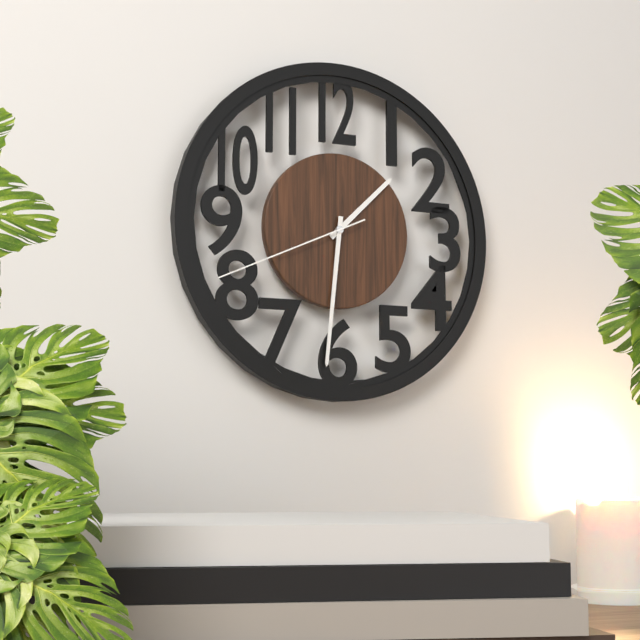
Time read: **1:31:41**
